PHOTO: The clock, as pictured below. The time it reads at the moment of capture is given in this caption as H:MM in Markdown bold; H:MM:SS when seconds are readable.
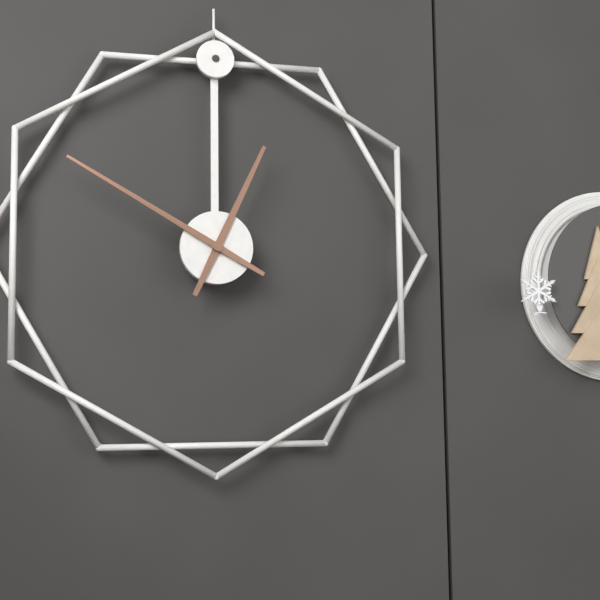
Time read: **12:50**
